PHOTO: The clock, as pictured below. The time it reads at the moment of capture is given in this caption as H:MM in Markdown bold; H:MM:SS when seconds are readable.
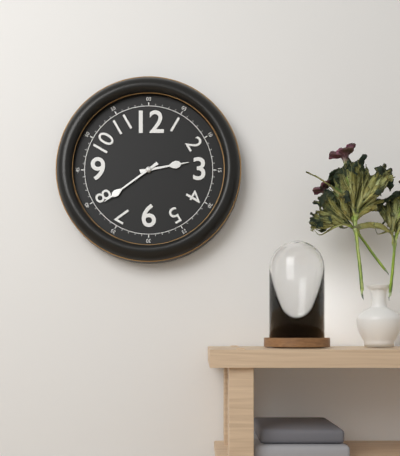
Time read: **2:39**
